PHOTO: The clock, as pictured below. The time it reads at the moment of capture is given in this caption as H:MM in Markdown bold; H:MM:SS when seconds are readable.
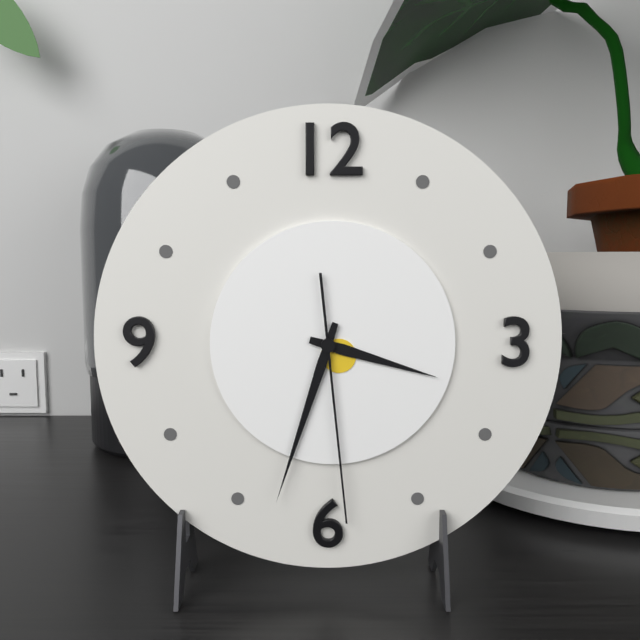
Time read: **3:33:29**
